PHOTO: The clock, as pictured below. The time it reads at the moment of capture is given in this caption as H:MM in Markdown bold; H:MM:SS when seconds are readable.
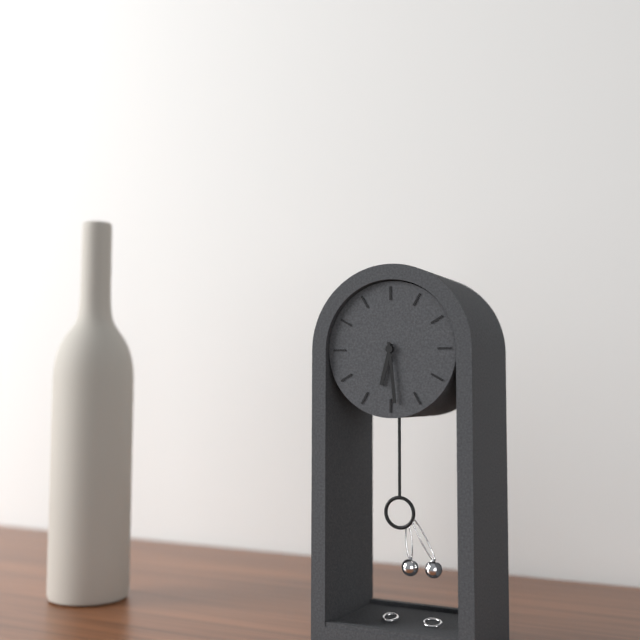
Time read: **6:29**
